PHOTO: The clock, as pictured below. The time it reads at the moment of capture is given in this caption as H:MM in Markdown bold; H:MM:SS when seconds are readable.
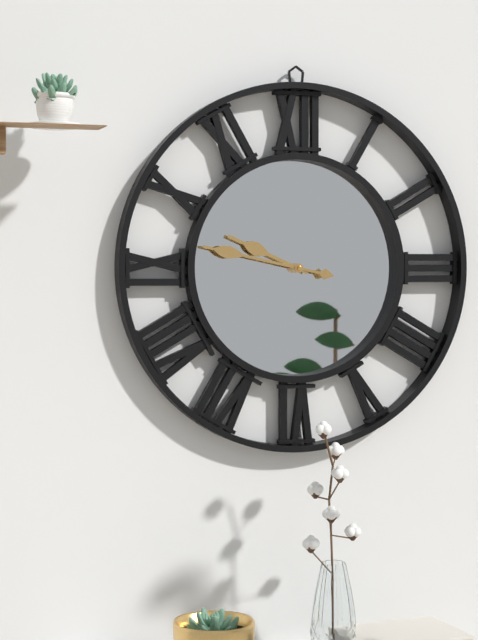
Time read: **9:47**
